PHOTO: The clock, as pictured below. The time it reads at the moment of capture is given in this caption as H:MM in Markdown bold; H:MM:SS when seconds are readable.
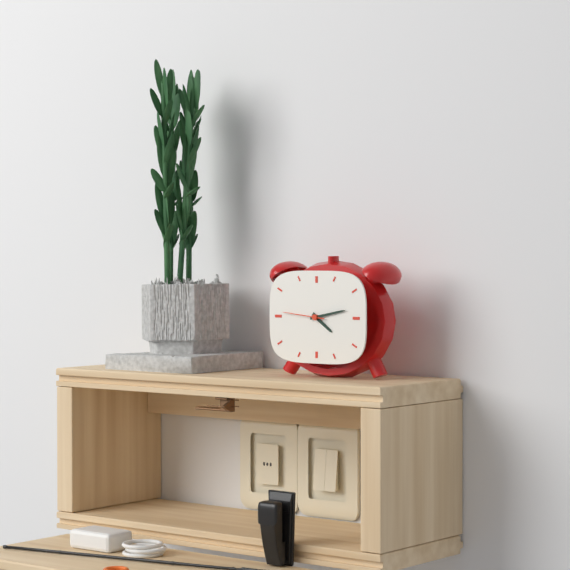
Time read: **4:13**
